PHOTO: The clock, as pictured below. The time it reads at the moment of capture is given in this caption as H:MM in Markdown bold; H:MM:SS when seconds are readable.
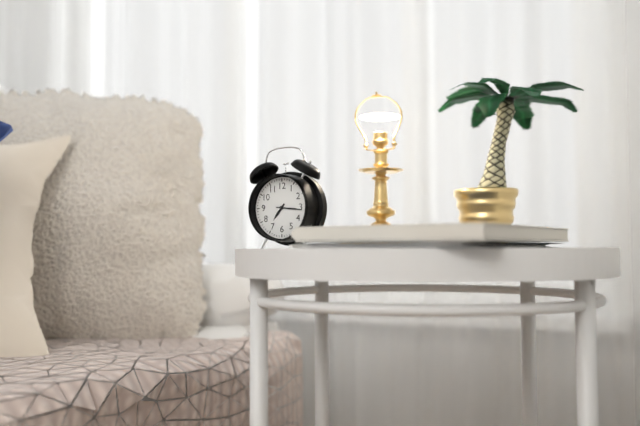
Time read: **7:16**
